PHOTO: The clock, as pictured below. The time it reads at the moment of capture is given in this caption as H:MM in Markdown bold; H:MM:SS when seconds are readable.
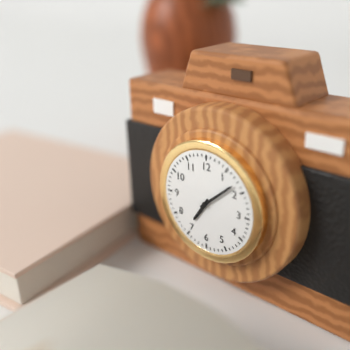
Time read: **7:08**
